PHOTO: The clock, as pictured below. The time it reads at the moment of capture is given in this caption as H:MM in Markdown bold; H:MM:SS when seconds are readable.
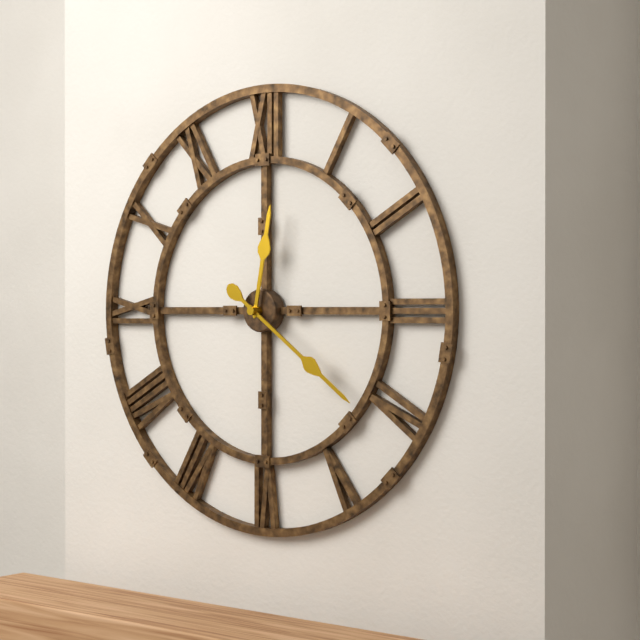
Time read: **12:21**
